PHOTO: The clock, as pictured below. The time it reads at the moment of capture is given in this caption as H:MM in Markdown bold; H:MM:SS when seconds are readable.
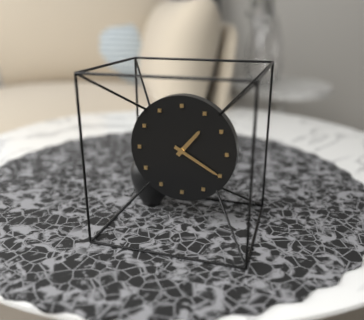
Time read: **1:20**
